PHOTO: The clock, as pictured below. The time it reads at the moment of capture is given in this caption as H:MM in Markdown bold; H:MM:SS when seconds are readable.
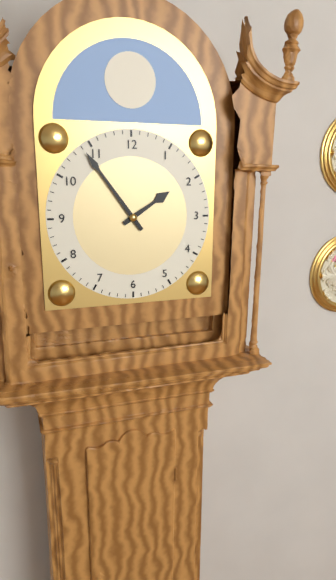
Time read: **1:54**
